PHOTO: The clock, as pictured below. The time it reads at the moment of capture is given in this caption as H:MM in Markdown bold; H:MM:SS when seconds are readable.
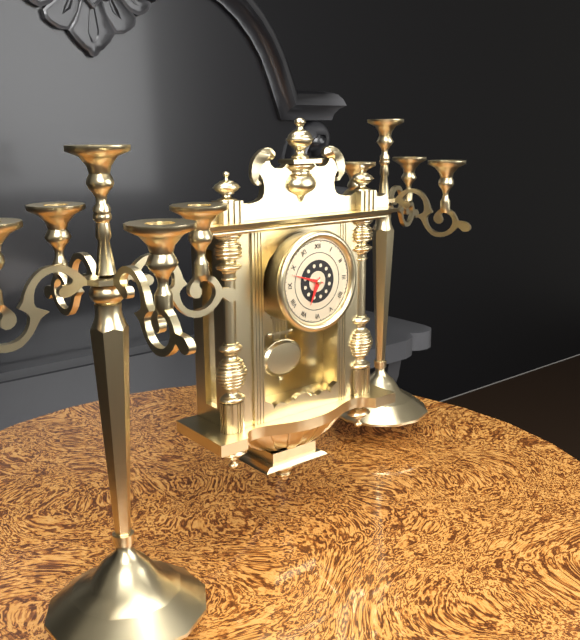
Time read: **6:48**
